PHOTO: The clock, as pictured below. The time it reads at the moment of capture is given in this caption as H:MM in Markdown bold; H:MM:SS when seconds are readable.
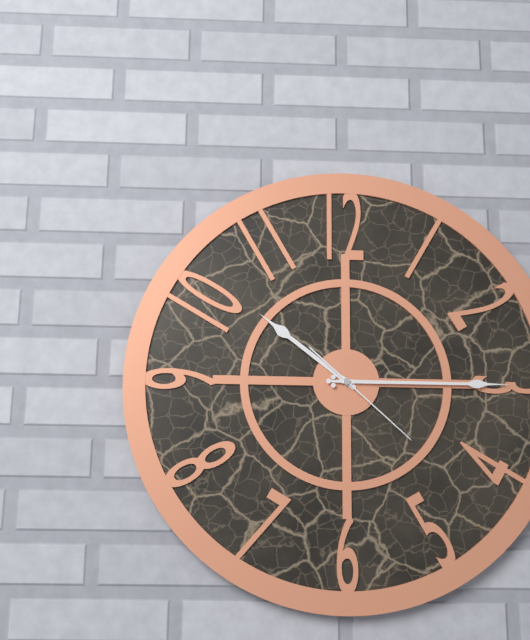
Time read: **10:15:22**
